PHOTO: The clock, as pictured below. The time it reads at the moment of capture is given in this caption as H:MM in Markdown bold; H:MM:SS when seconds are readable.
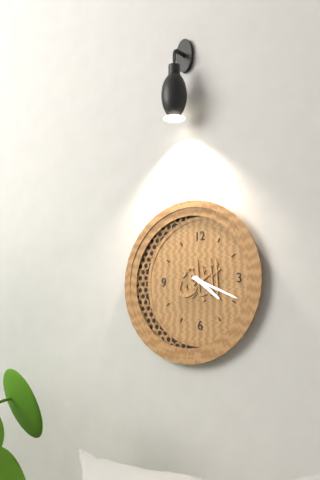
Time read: **4:19**
